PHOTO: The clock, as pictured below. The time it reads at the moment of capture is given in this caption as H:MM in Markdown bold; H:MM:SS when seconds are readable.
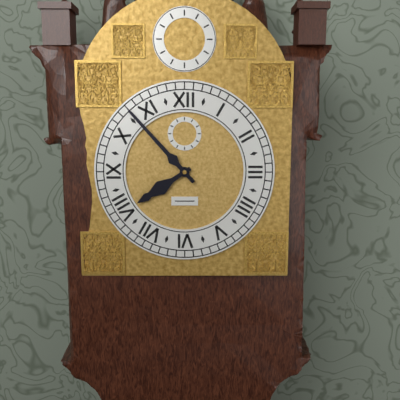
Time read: **7:53**
